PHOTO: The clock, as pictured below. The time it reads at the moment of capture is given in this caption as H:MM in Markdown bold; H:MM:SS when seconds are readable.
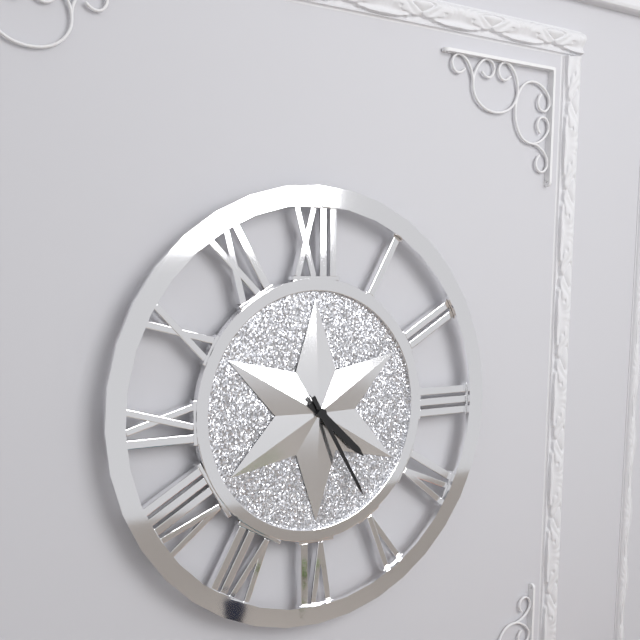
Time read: **4:25**
